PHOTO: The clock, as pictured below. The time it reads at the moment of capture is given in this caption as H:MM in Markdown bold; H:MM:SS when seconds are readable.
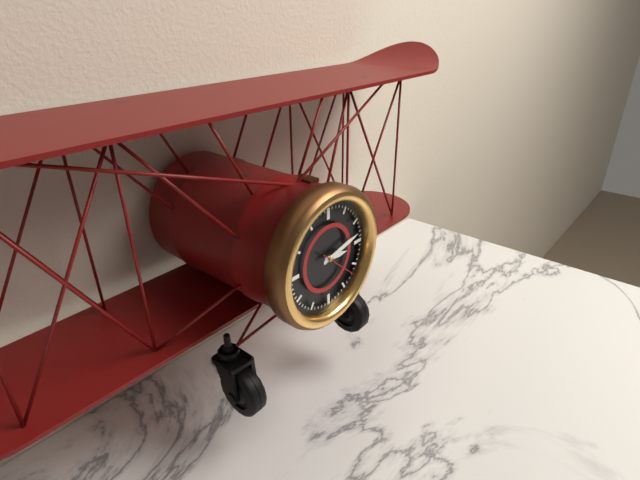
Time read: **3:13**
